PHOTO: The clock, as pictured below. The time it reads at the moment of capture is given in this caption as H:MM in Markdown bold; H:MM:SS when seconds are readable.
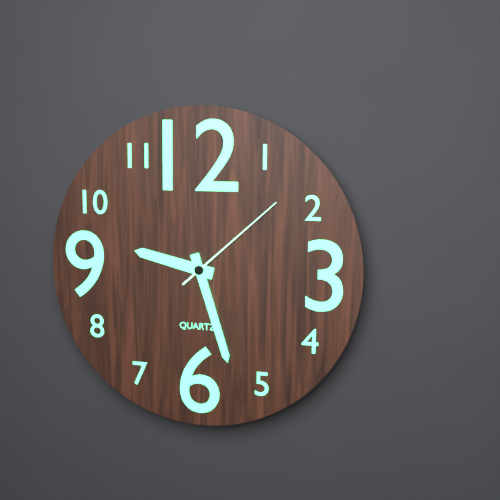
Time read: **9:27:08**
